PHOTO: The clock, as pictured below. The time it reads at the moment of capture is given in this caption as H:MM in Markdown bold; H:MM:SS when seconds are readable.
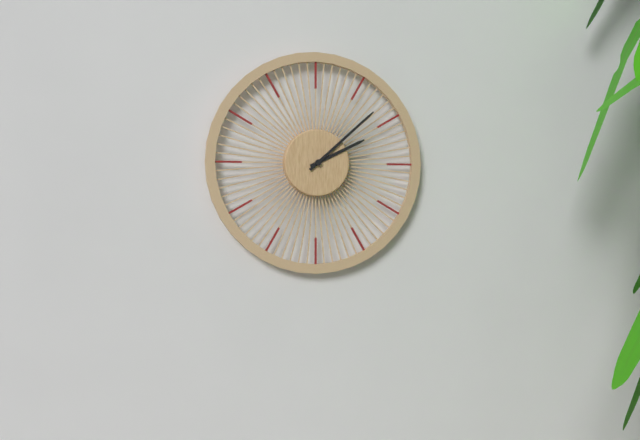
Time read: **2:08**
